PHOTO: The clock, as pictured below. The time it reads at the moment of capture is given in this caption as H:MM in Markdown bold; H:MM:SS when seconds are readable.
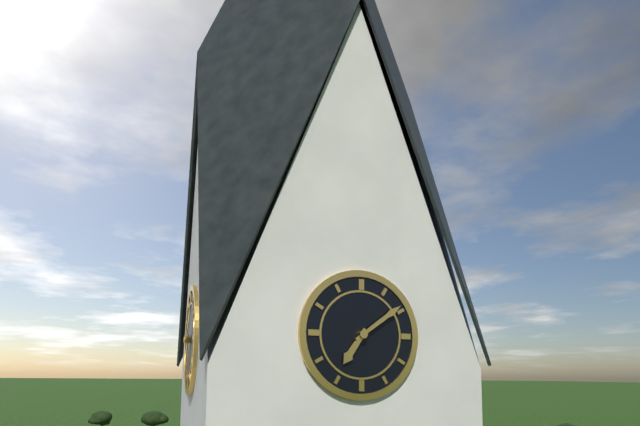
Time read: **7:09**
